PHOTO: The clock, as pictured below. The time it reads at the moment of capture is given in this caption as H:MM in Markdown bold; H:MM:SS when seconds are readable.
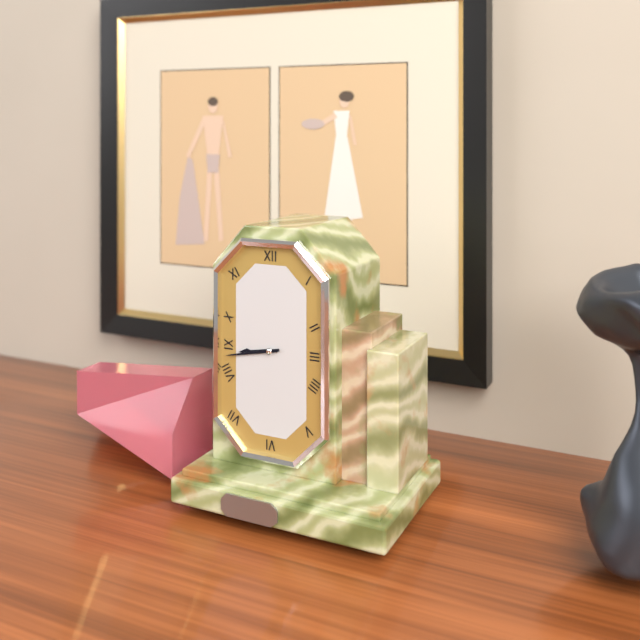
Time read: **8:43**
